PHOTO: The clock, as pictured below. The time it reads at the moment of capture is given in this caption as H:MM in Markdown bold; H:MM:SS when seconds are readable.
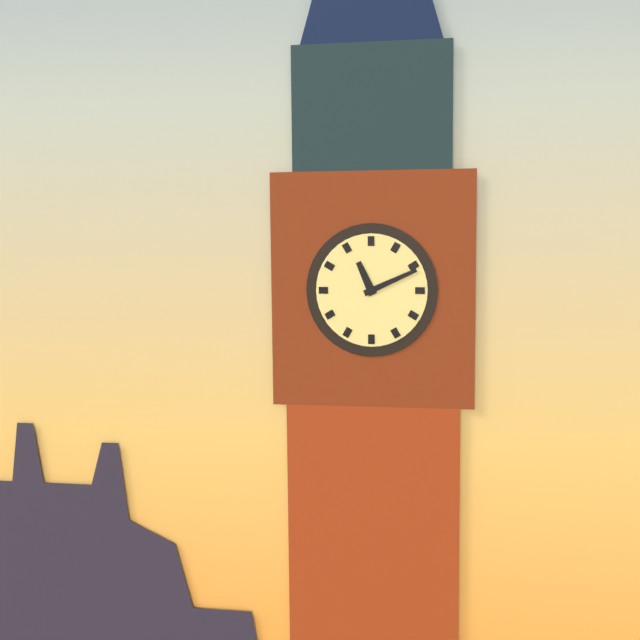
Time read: **11:11**
